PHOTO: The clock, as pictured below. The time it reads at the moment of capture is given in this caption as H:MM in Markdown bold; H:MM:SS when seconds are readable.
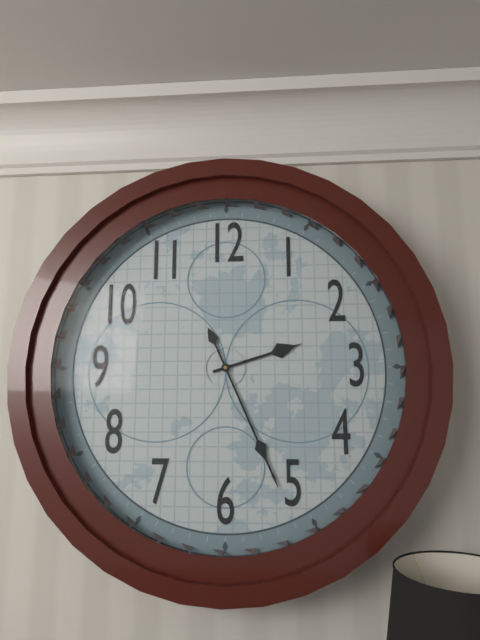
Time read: **2:26**
